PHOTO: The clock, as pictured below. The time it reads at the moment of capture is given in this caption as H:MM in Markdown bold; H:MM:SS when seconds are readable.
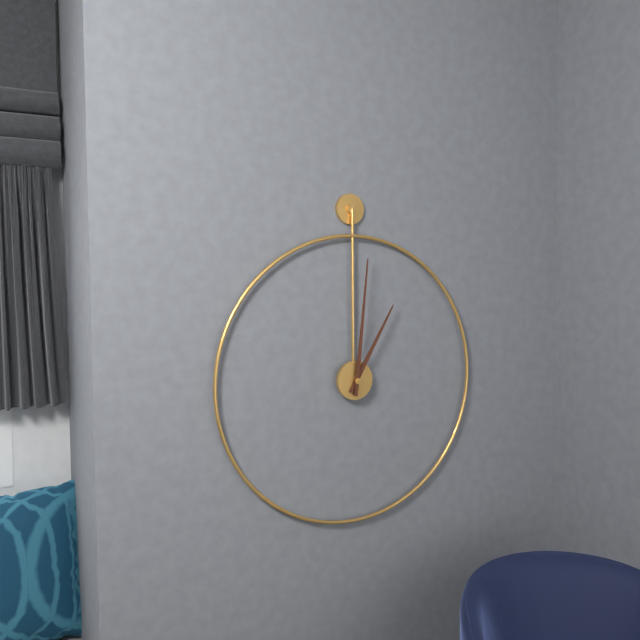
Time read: **1:01**
